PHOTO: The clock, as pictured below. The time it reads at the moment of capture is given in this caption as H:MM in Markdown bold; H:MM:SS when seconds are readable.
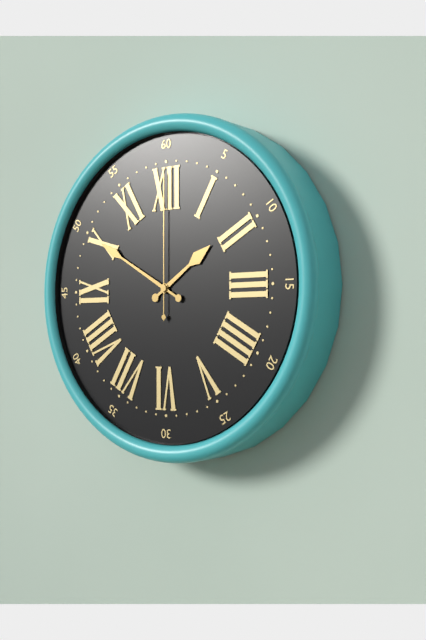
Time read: **1:50:00**
